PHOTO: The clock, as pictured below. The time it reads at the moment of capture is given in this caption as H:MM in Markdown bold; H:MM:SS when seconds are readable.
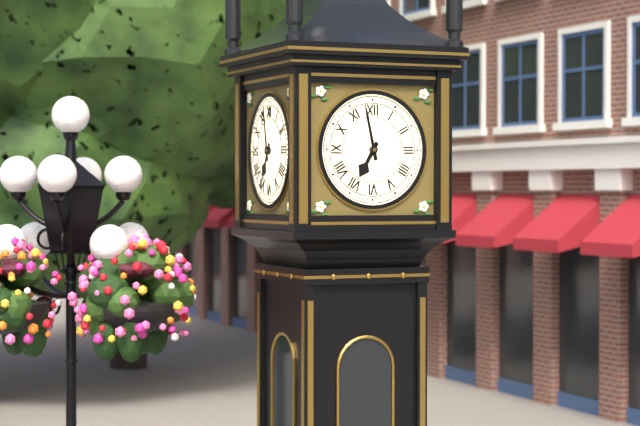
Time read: **6:58**
